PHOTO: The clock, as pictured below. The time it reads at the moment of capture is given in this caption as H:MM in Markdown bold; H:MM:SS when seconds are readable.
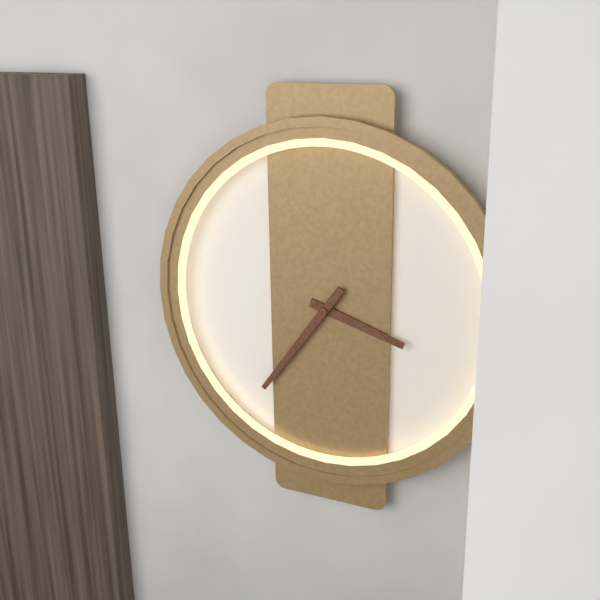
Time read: **3:36**
